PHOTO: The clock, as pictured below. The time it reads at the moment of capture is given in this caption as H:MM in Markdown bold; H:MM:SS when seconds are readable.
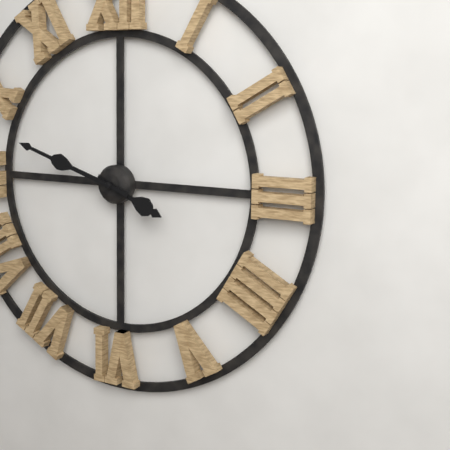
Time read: **3:48**
